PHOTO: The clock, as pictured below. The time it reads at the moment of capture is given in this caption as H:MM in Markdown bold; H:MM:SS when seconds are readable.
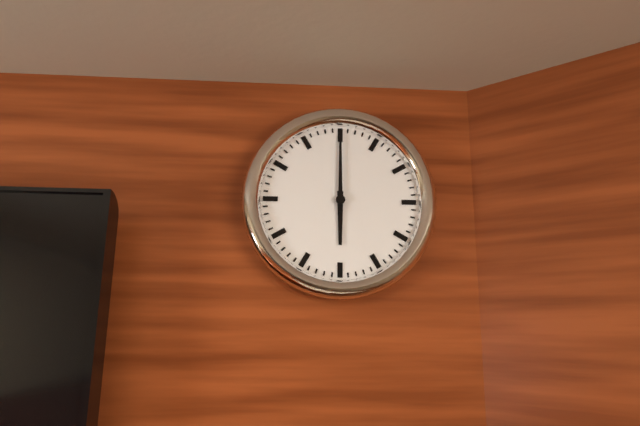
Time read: **6:00**
